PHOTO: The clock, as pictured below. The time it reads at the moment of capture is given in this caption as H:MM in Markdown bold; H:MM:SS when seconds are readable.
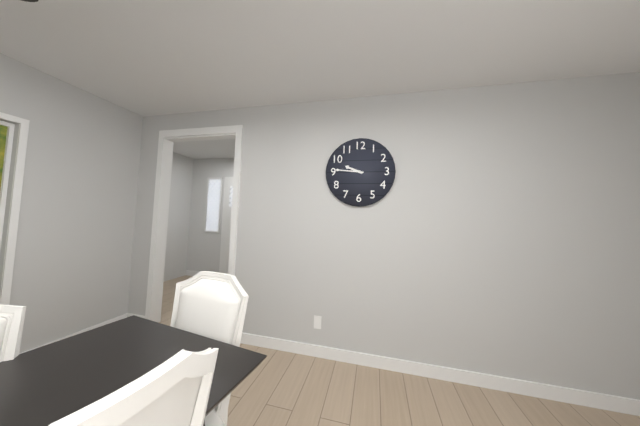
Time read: **9:46**
